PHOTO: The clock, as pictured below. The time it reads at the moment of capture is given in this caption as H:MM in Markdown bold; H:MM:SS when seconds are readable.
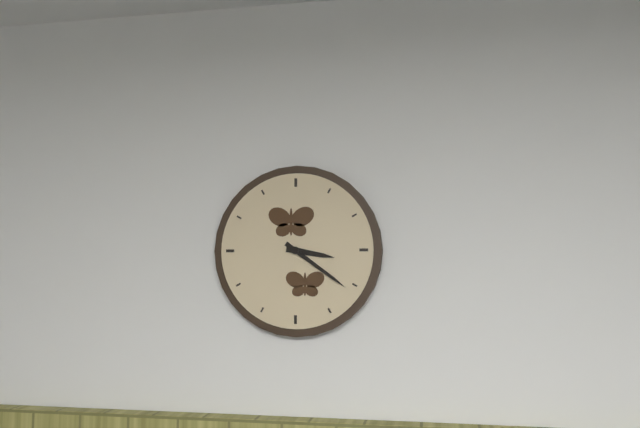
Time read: **3:21**
